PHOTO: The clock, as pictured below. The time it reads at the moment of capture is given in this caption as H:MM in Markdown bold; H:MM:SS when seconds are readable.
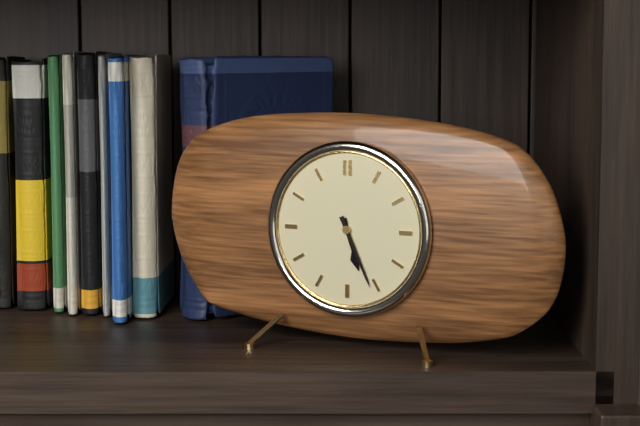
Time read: **5:26**
